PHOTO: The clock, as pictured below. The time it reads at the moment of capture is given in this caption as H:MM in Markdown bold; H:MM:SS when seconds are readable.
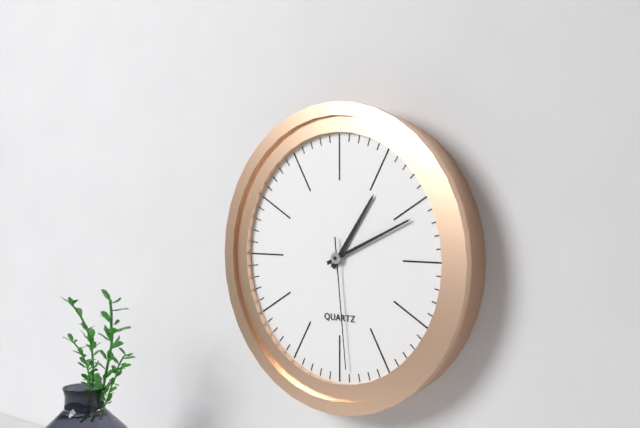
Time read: **1:11:29**
